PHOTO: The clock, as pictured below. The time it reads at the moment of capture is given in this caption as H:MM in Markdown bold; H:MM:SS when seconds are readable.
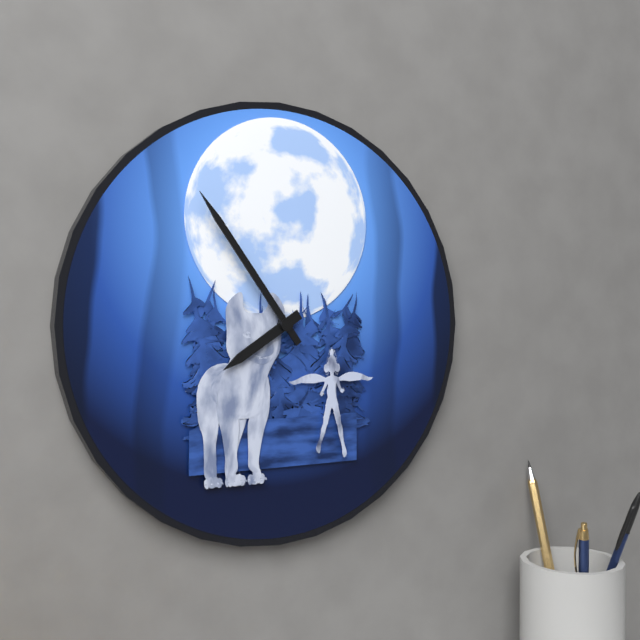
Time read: **7:54**
